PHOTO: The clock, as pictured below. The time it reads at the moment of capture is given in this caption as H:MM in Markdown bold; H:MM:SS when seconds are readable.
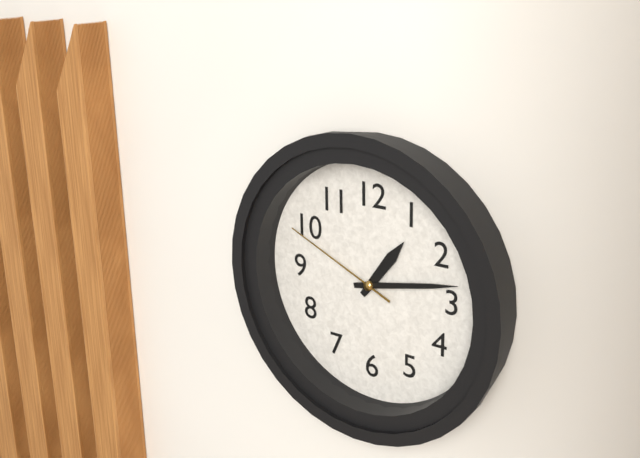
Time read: **1:13:49**
